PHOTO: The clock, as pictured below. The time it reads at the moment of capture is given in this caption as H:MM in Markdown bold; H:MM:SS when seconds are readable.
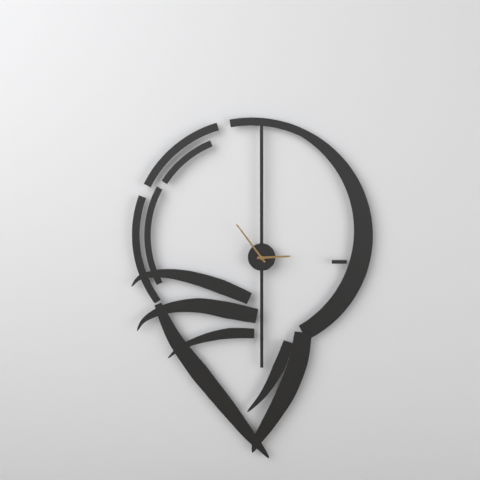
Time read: **2:54**
